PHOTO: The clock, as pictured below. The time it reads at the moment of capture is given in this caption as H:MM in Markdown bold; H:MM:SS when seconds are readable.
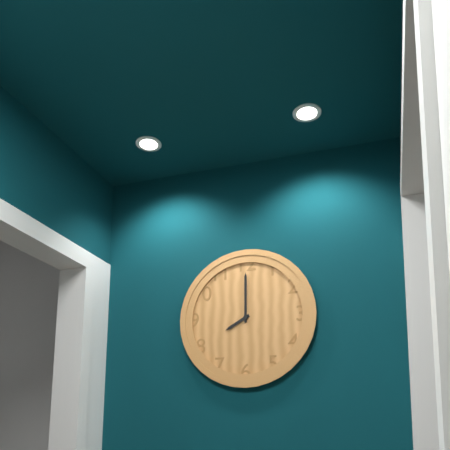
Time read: **8:00**
